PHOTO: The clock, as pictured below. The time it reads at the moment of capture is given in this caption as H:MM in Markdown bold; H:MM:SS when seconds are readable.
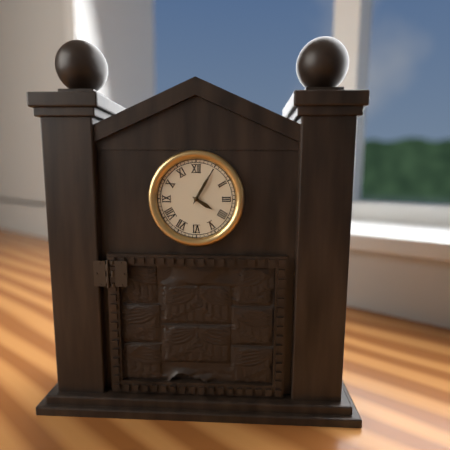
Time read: **4:05**
